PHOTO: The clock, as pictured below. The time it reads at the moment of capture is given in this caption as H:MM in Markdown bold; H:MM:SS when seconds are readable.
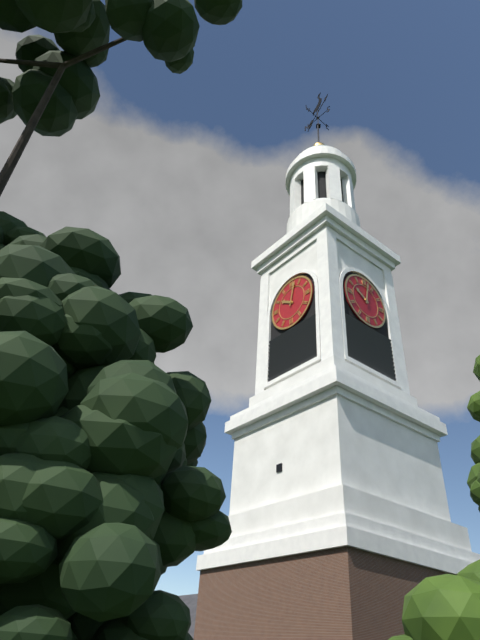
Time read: **10:02**
